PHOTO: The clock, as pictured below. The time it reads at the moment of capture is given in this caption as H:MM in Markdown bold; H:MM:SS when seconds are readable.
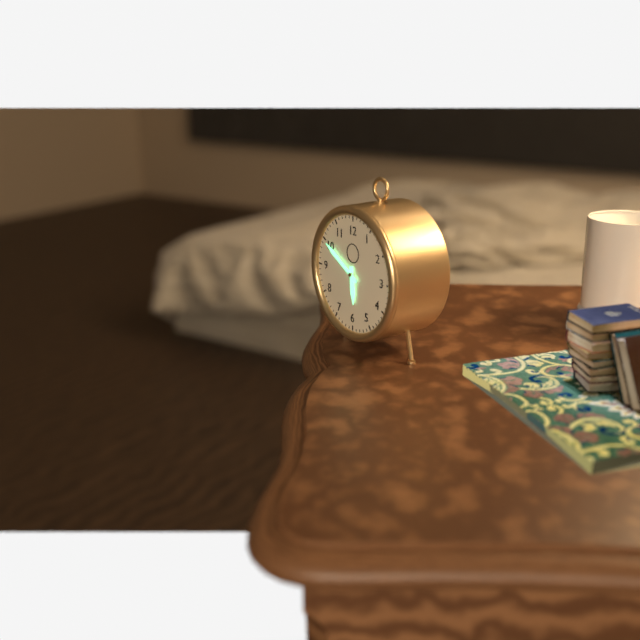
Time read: **5:50**
